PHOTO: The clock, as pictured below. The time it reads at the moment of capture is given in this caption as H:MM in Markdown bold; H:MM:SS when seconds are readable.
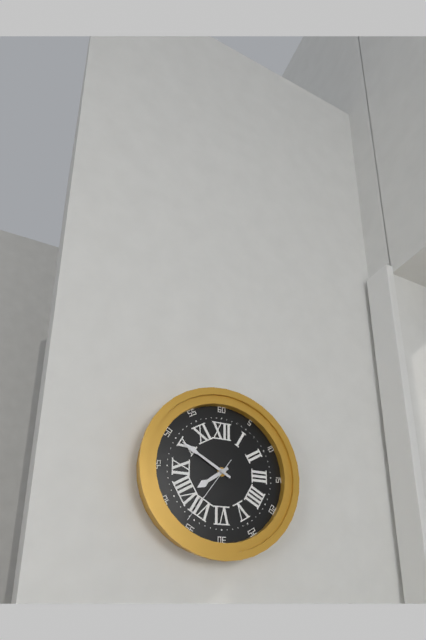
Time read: **7:50:36**
